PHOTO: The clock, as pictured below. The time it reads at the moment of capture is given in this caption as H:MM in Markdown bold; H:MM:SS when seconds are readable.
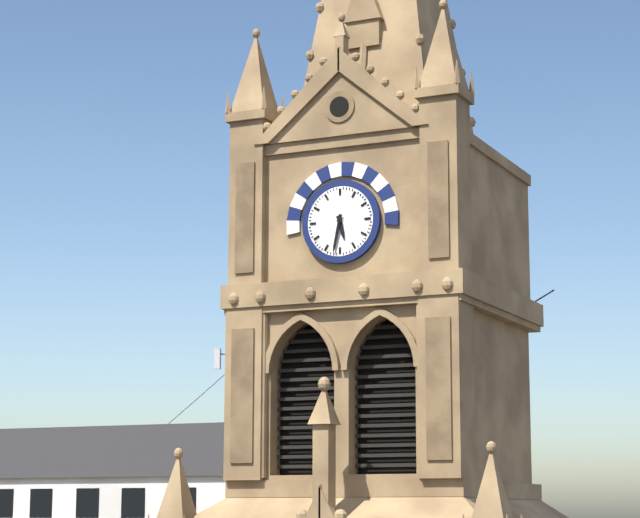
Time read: **5:32**
